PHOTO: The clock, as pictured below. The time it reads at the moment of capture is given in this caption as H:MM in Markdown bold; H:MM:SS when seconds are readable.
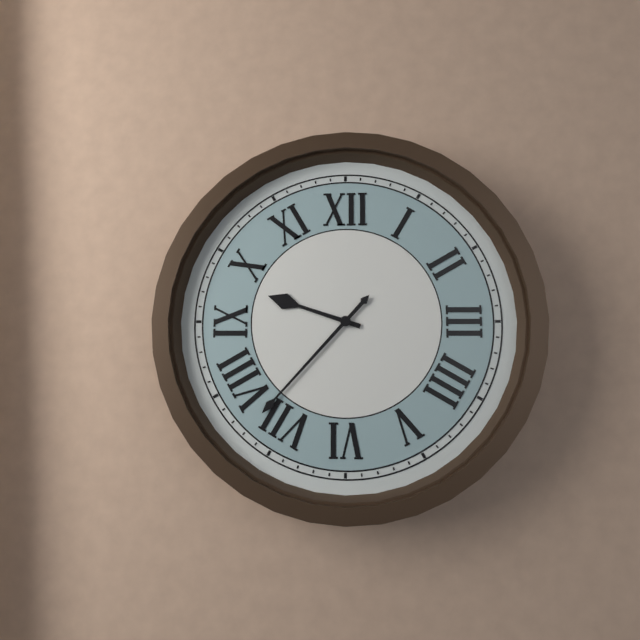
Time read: **9:37**
